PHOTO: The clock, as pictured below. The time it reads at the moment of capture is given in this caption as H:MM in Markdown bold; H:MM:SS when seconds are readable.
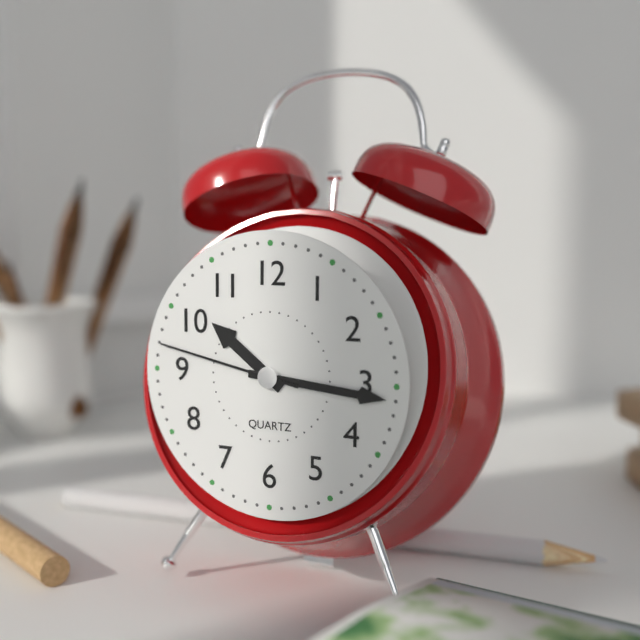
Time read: **10:16:47**
